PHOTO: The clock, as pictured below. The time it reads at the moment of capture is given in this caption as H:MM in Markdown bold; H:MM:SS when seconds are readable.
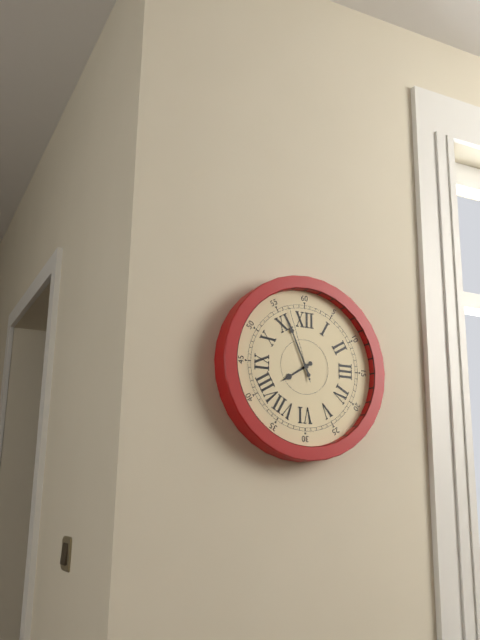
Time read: **7:56:57**
